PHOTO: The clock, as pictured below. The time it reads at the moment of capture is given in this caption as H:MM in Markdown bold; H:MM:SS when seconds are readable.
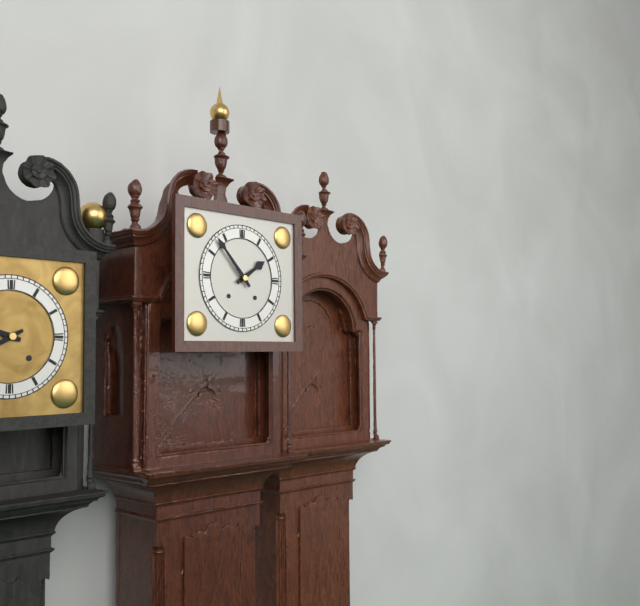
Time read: **1:53**
